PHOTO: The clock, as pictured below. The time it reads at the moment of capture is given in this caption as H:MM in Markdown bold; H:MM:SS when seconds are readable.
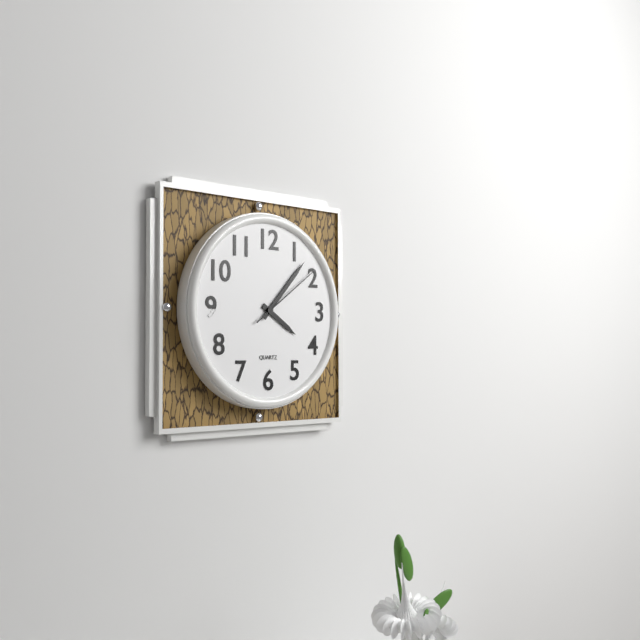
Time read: **4:07:09**
